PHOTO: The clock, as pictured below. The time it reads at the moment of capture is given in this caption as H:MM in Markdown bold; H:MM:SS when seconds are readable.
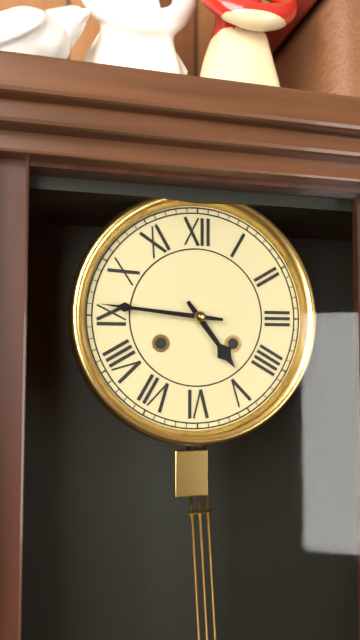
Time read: **4:46**
